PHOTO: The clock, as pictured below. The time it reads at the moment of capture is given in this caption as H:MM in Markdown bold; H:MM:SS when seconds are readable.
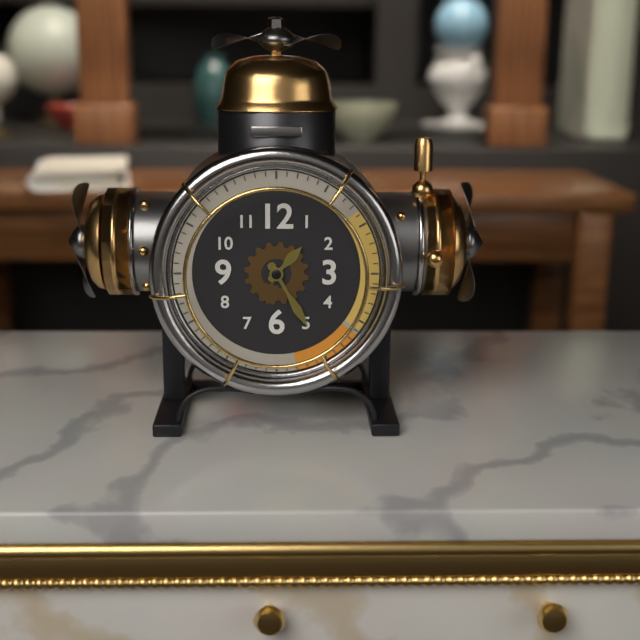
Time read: **1:25**
